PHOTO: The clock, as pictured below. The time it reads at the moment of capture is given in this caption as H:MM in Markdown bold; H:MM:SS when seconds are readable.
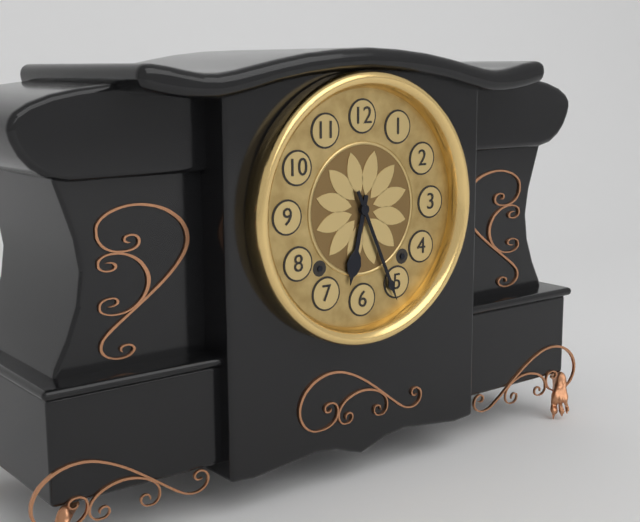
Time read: **6:26**
